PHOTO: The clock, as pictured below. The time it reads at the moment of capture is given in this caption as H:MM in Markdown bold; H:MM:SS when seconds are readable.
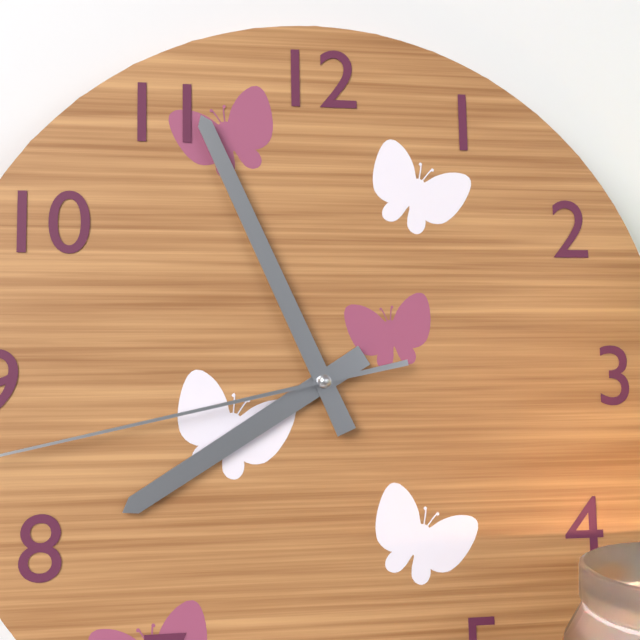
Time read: **7:56**
